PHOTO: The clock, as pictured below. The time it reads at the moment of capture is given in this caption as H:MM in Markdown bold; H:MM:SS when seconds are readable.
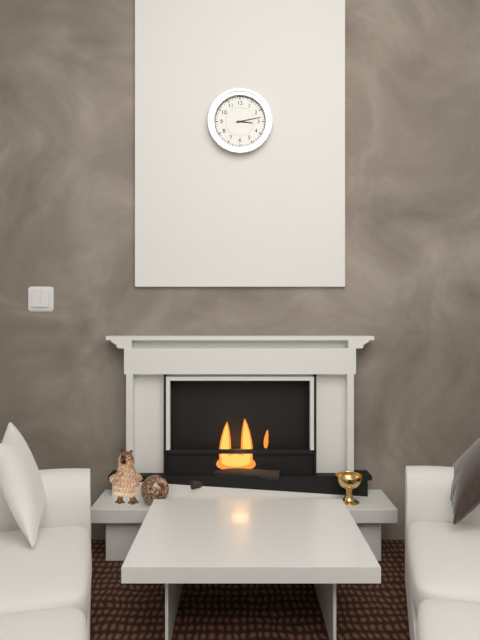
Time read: **3:13**
